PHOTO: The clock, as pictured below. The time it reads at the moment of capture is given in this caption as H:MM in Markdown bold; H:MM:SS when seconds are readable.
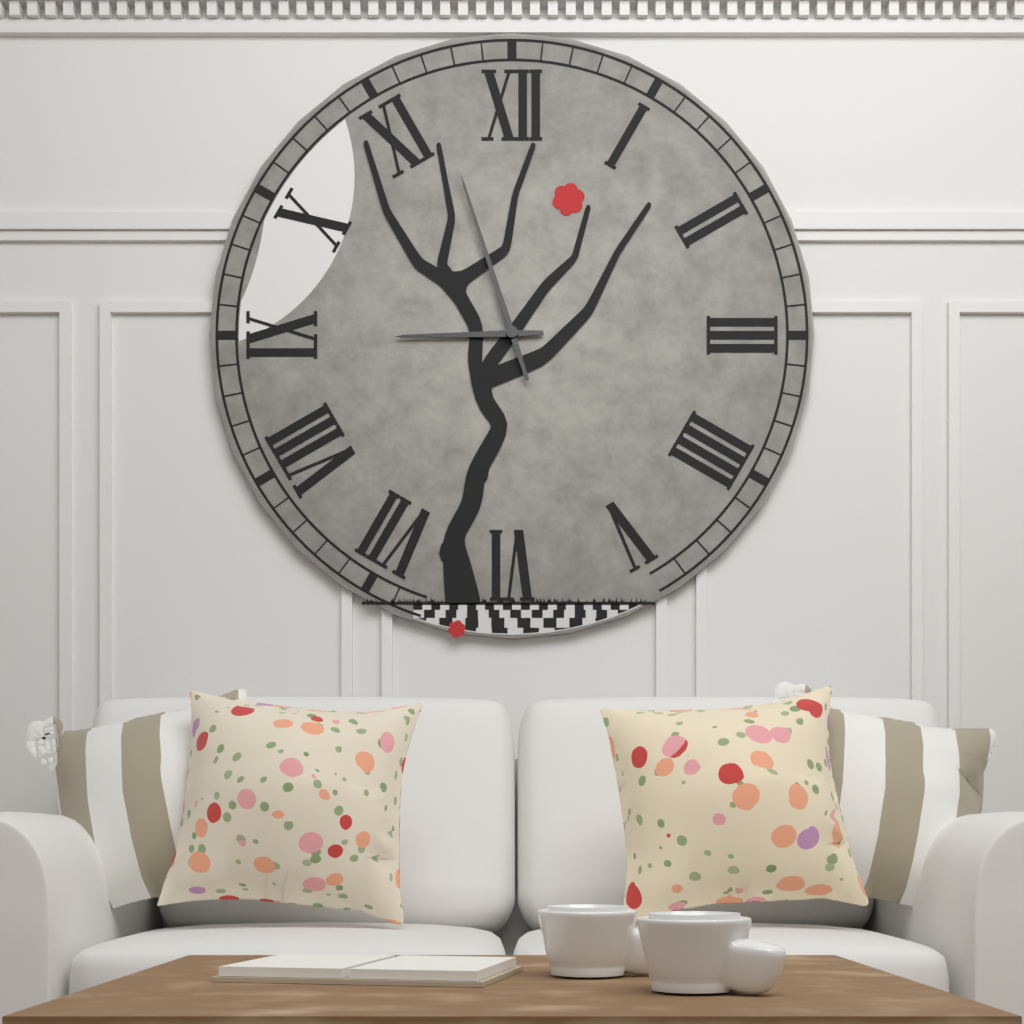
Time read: **8:57**
